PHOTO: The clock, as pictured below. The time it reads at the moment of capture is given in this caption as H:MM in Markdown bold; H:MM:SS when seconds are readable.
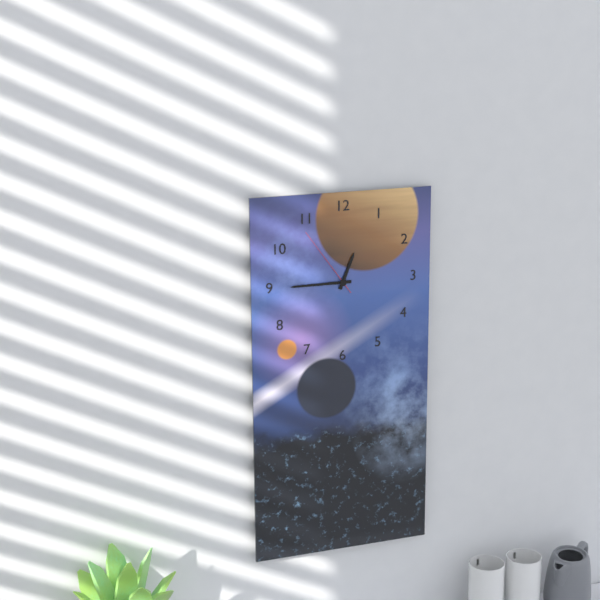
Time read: **12:45:54**
